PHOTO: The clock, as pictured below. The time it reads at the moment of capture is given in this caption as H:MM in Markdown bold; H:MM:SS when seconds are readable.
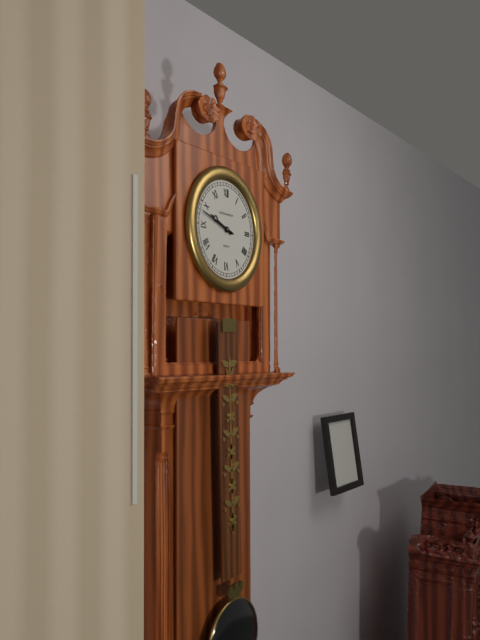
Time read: **9:48**
